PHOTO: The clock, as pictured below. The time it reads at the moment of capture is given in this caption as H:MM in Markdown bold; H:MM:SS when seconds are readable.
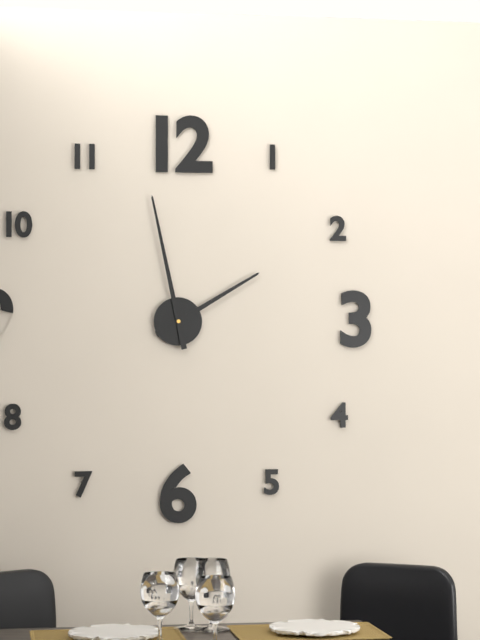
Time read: **1:58**
